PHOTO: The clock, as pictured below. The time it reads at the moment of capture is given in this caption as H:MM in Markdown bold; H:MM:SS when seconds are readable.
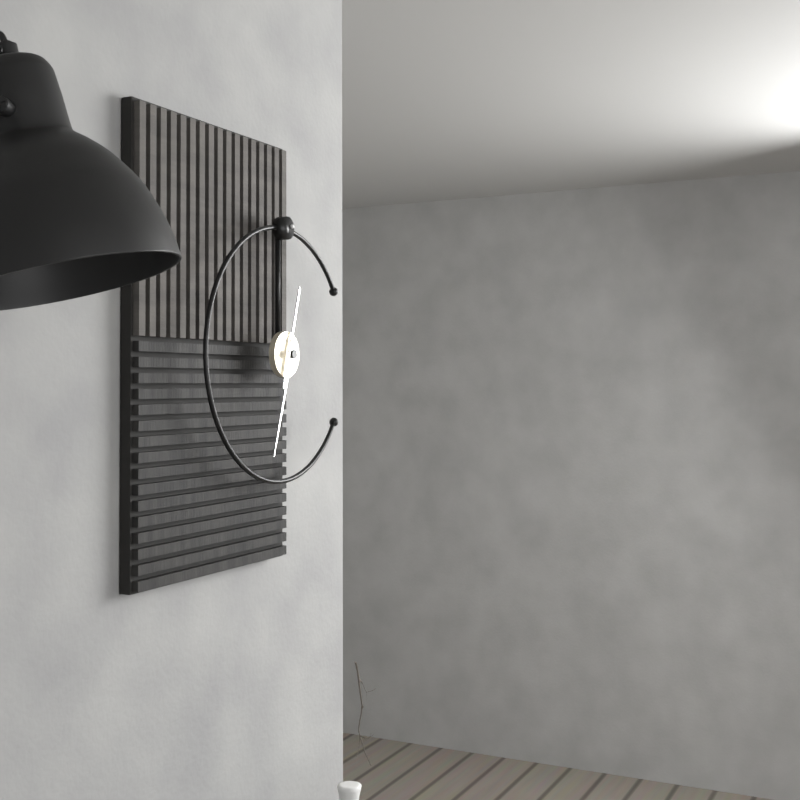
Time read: **12:33**
